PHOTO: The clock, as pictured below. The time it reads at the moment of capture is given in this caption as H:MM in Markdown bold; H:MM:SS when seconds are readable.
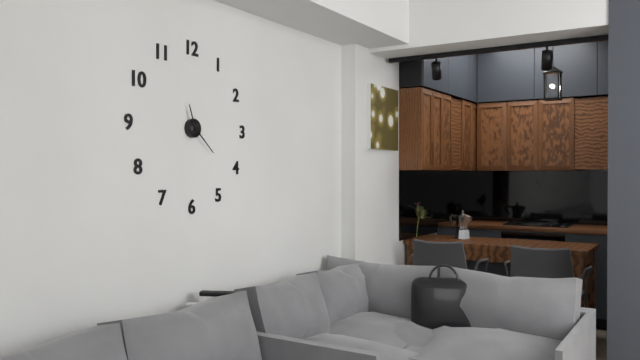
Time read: **11:22**
